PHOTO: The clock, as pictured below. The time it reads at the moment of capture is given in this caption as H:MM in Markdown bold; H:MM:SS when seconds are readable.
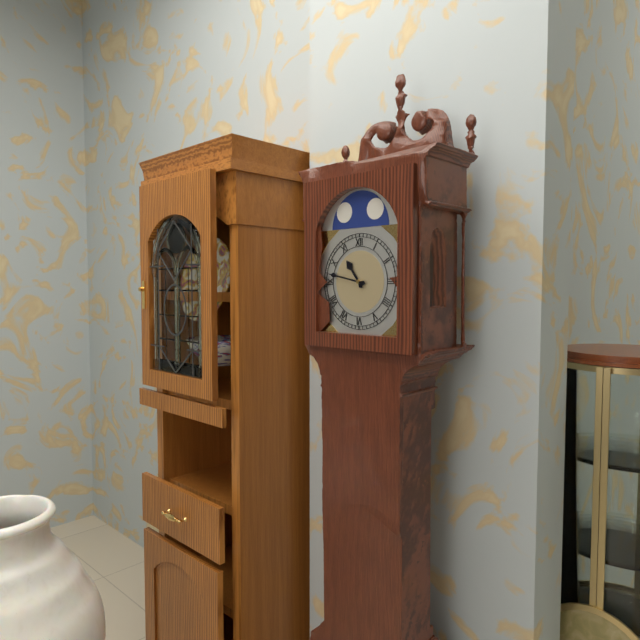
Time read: **10:47**
